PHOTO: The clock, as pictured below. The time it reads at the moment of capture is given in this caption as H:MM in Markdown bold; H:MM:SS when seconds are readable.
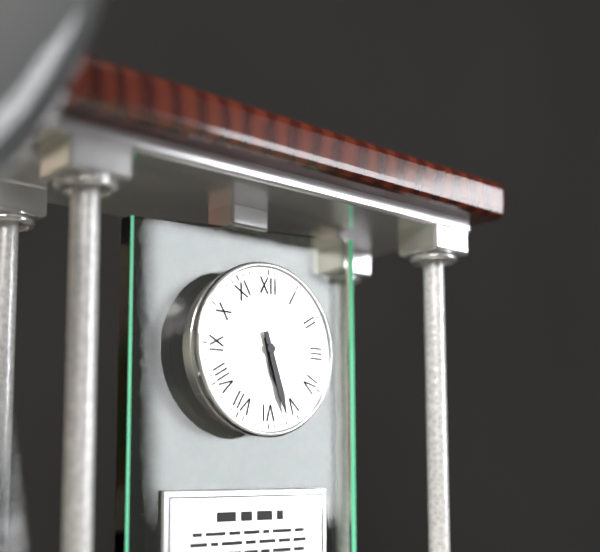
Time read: **5:27**
